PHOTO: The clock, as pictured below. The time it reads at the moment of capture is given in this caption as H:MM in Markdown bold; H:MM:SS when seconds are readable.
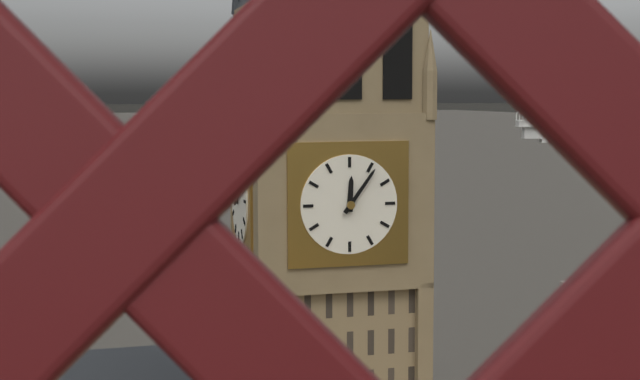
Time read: **12:06**
